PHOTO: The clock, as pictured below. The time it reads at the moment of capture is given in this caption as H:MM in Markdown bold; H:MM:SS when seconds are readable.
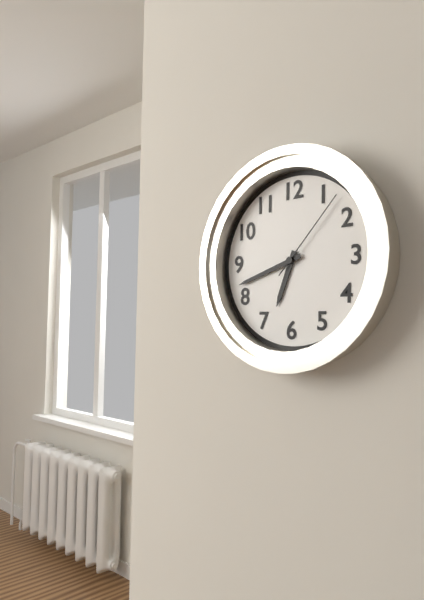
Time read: **6:42:07**
